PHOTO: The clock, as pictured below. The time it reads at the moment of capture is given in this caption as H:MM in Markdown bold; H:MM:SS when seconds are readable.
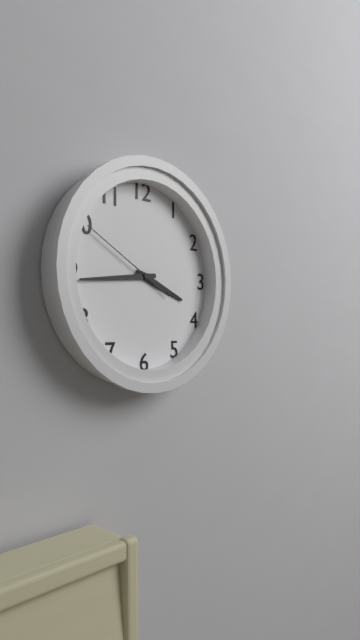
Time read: **3:44:50**
